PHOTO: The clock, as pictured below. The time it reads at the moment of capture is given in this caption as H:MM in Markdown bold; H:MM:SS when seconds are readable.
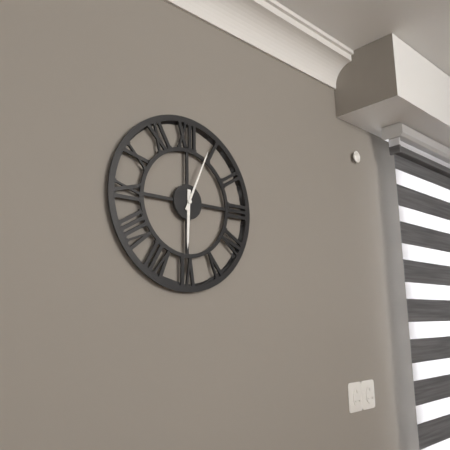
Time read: **6:04**
